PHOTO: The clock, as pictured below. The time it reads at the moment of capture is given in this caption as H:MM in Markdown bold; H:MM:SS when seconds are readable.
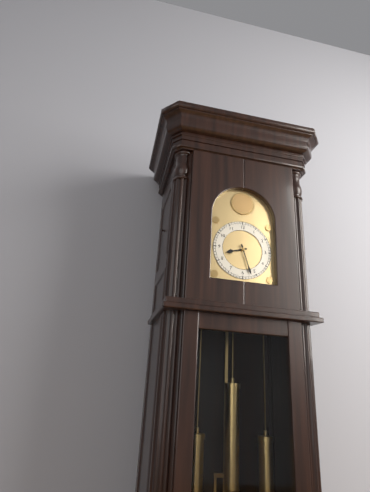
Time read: **8:27**
